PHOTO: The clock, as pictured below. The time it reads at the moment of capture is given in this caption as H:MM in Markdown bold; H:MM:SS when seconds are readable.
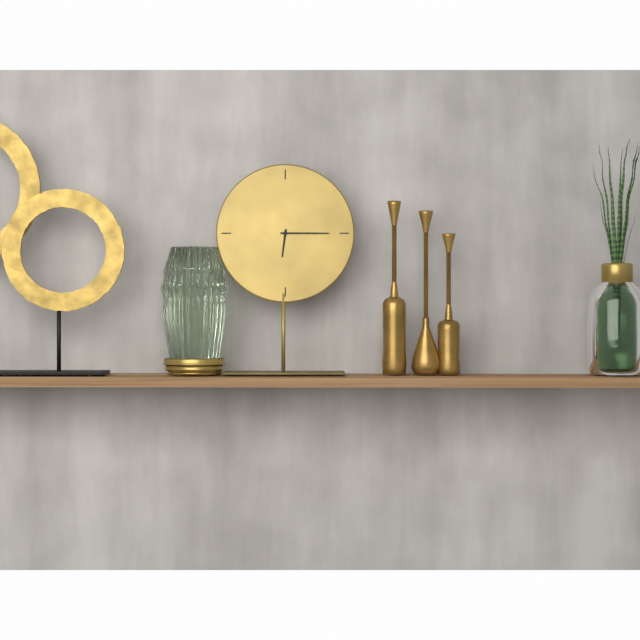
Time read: **6:15**
